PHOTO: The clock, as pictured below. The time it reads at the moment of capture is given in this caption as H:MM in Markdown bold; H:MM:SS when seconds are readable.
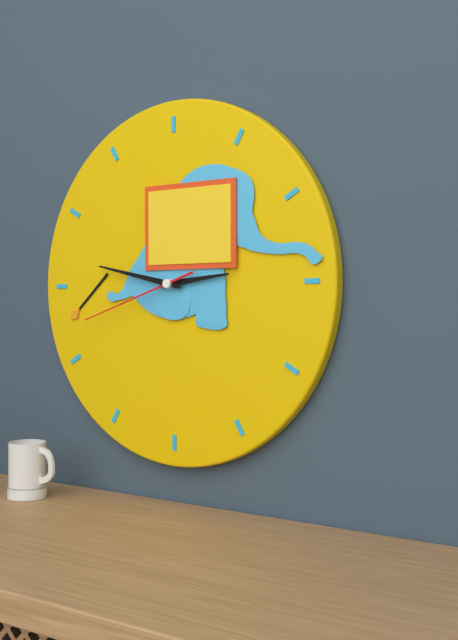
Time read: **2:47:42**
